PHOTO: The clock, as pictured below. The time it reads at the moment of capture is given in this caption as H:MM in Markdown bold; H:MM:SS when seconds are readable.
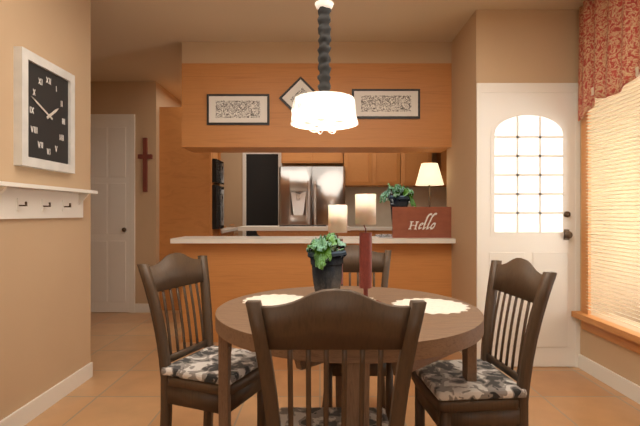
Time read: **1:49**
